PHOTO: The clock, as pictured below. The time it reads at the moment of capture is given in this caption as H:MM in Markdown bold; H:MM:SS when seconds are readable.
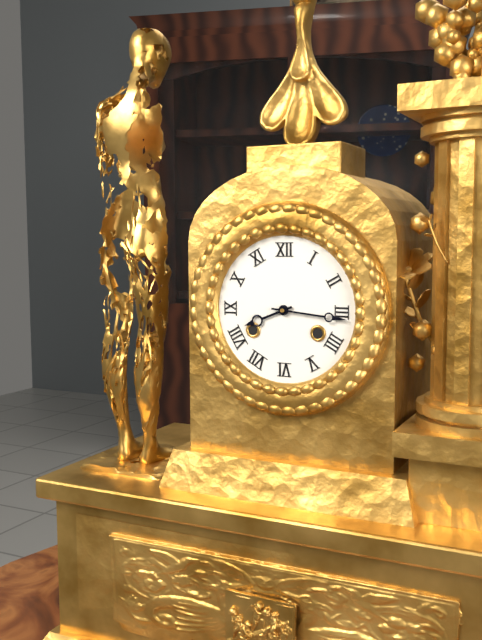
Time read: **8:16**
